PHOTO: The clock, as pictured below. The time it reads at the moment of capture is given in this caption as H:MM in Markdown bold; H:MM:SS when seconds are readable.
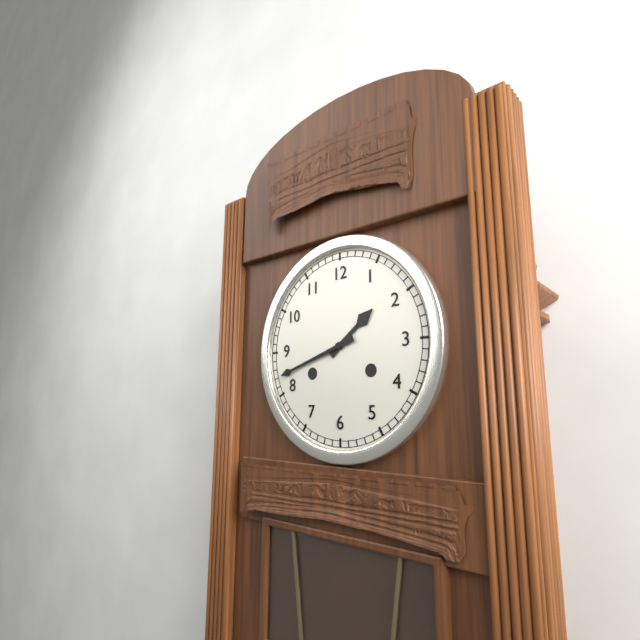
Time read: **1:42**
